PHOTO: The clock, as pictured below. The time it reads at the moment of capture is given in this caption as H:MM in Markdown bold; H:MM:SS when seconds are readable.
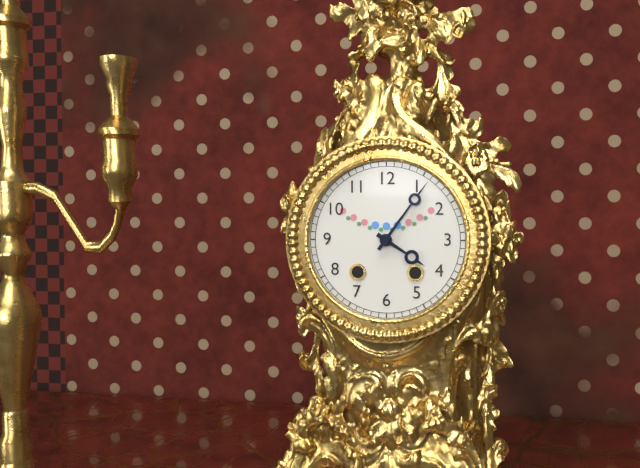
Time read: **4:06**
